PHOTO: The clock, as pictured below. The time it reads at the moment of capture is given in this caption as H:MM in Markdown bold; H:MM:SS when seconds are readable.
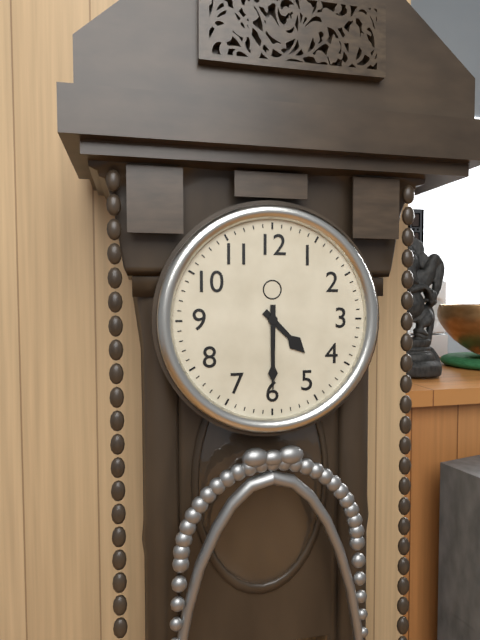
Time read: **4:30**
